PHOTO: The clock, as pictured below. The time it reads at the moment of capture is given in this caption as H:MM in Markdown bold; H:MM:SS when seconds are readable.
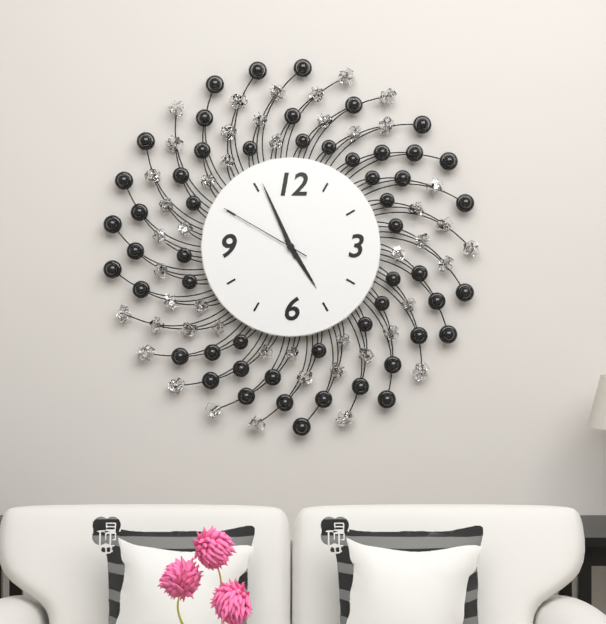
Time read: **4:56:50**
